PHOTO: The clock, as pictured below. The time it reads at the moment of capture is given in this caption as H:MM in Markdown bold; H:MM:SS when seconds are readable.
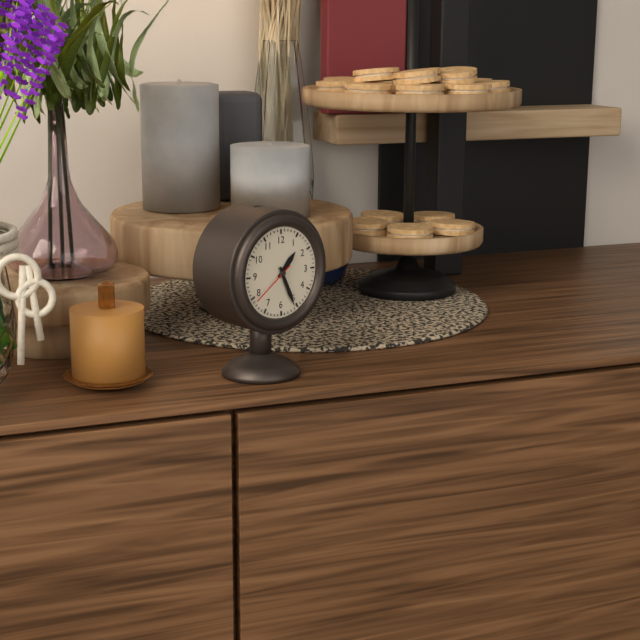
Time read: **1:26**
